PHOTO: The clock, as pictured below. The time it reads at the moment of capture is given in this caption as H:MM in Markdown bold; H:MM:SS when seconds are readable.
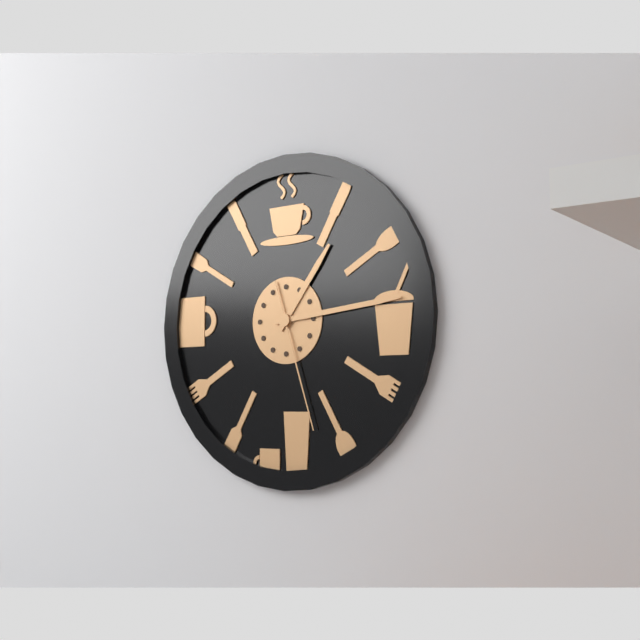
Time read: **1:14:27**
